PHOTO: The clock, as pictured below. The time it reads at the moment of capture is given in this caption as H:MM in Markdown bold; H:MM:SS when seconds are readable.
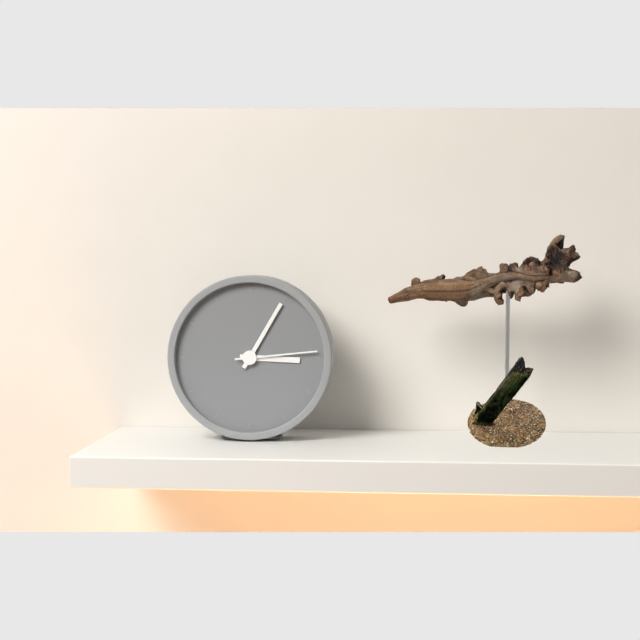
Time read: **3:05:14**
